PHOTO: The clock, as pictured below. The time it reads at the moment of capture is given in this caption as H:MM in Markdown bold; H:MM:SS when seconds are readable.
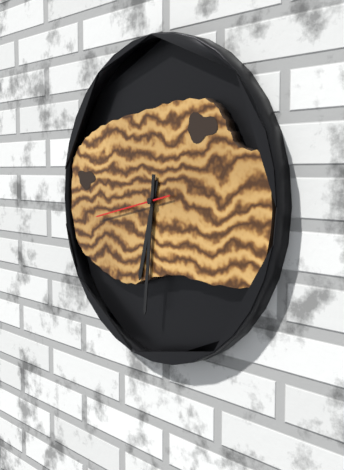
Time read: **6:31:43**
